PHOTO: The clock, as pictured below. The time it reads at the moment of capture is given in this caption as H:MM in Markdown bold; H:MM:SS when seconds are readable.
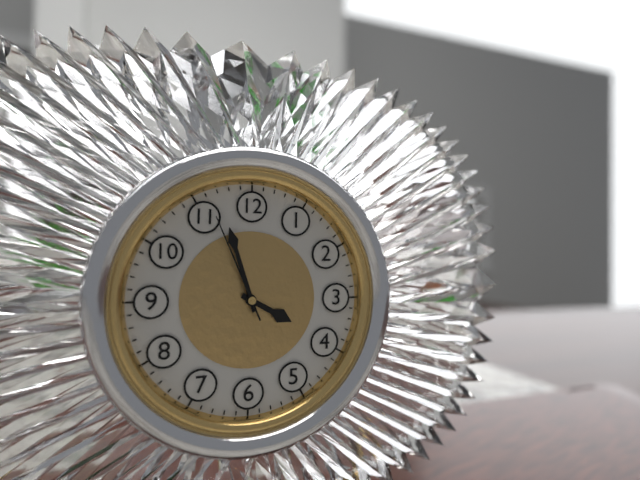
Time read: **3:57:56**
